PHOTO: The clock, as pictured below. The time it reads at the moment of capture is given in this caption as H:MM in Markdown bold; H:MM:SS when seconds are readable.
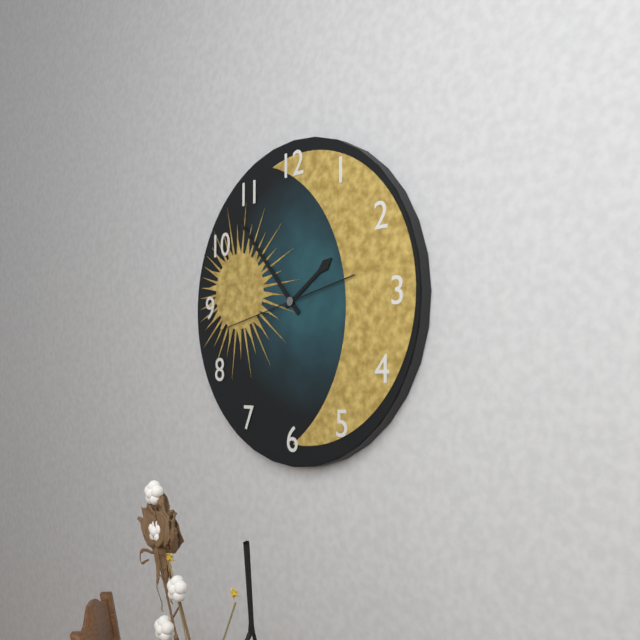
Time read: **1:53:43**
